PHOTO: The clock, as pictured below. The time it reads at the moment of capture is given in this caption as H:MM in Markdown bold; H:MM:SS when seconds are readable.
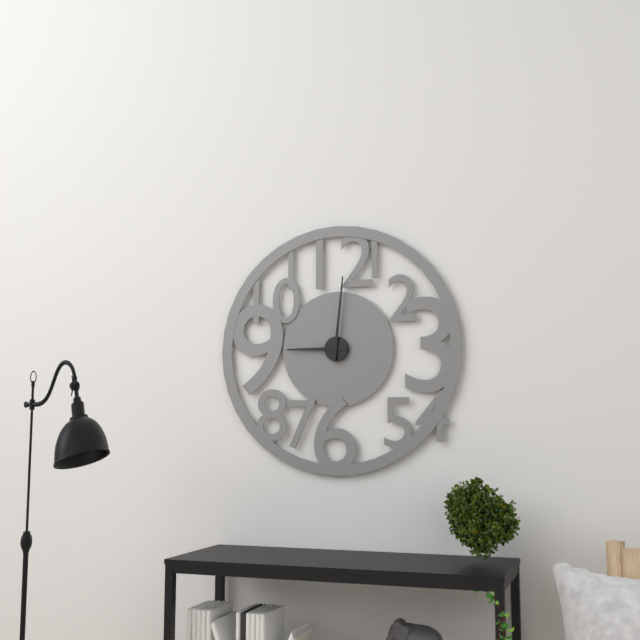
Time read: **9:01**
